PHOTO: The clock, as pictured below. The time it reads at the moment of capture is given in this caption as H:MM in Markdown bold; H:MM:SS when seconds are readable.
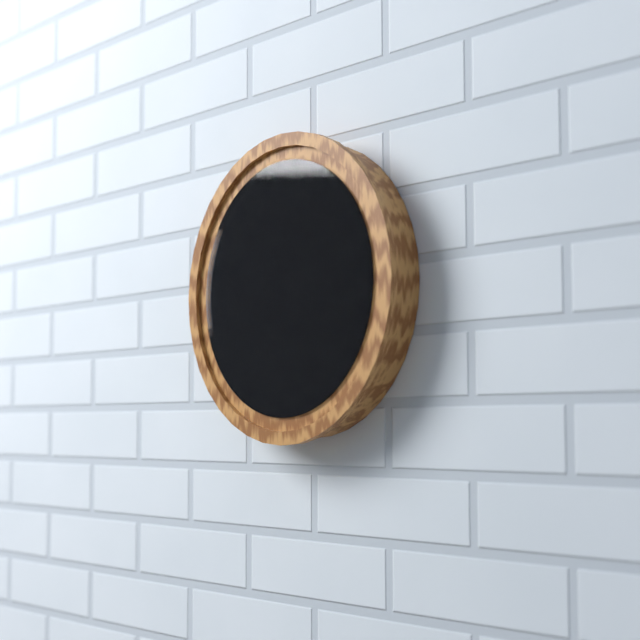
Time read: **6:59:18**
